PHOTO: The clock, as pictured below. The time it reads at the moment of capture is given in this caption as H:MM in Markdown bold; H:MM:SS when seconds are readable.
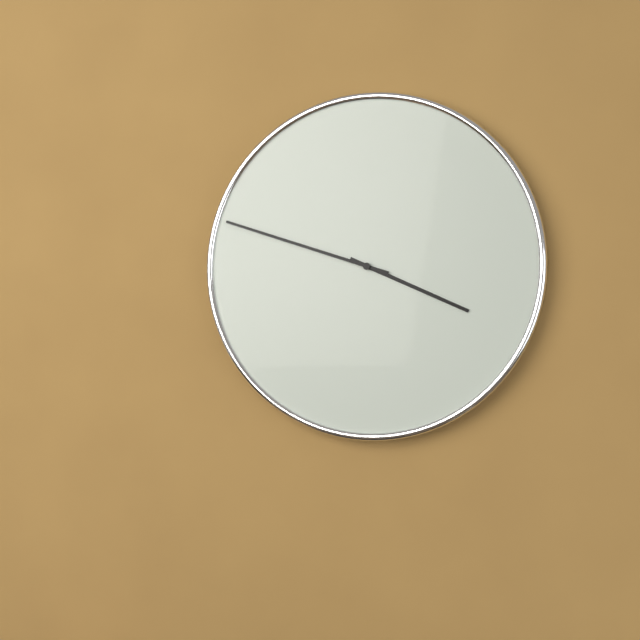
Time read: **3:48**
